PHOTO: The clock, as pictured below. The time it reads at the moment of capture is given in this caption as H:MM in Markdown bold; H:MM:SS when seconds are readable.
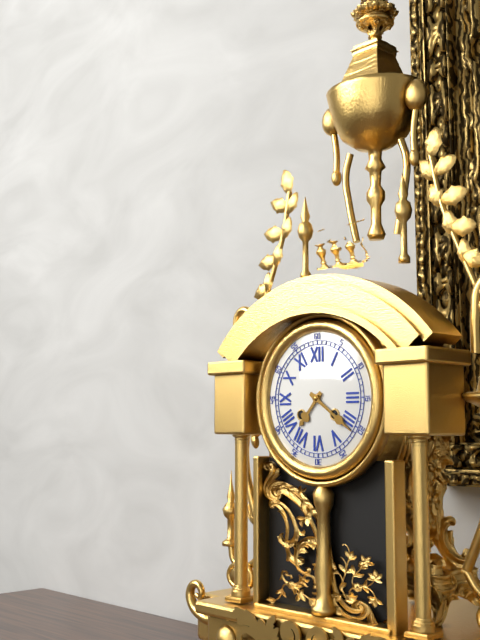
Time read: **7:21**
